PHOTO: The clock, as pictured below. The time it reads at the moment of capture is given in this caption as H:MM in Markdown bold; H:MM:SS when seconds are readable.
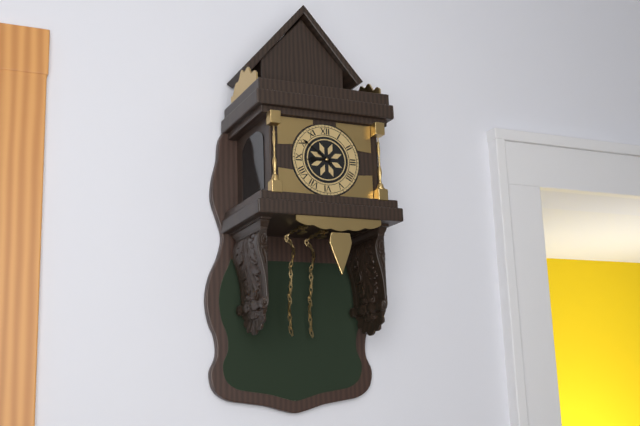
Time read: **8:51**
